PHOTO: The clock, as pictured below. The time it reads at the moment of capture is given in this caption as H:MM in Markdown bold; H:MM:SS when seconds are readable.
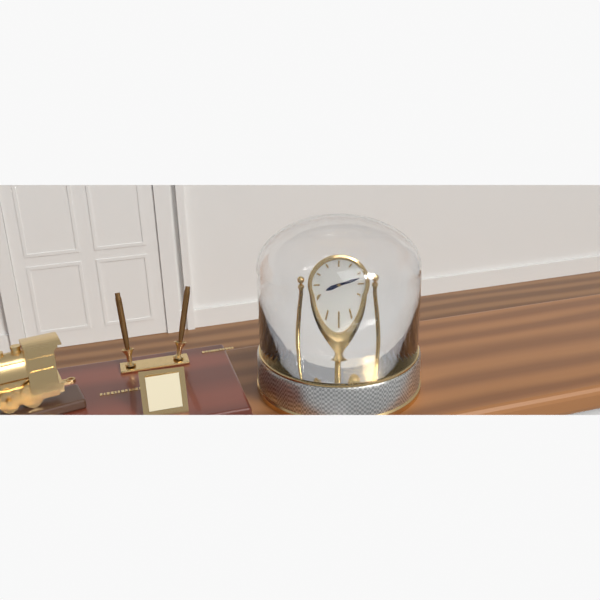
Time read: **8:12**
